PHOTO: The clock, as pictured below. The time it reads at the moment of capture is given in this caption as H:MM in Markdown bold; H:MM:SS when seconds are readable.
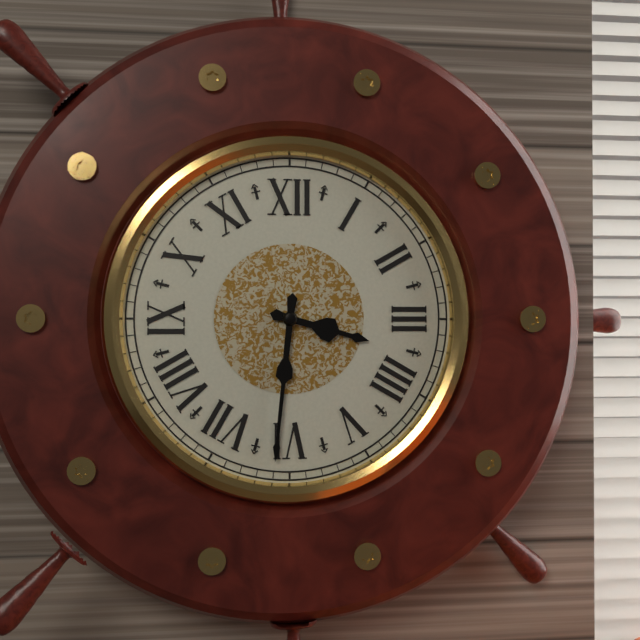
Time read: **3:31**
